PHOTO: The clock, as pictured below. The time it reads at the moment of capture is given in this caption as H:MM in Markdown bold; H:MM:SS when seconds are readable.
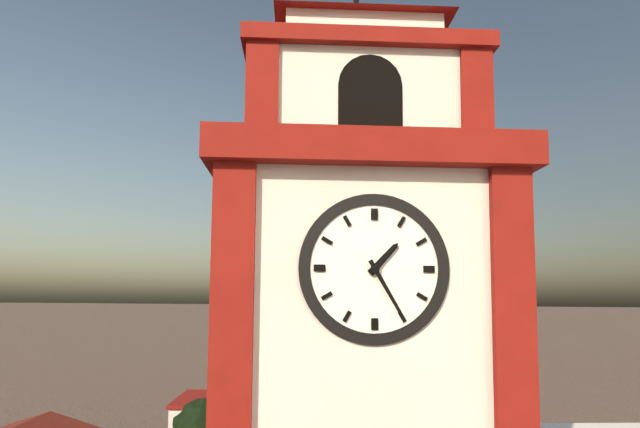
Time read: **1:25**
